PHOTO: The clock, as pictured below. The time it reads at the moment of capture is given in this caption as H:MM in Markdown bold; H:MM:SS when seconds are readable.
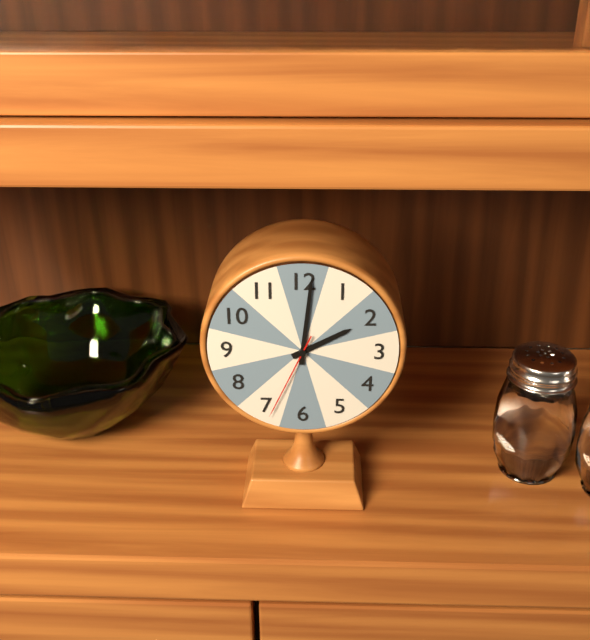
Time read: **2:01:34**
